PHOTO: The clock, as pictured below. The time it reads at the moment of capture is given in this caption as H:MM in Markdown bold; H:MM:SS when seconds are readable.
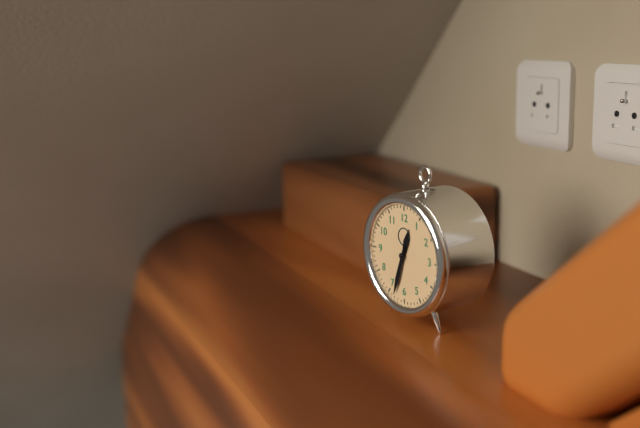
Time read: **12:33**
